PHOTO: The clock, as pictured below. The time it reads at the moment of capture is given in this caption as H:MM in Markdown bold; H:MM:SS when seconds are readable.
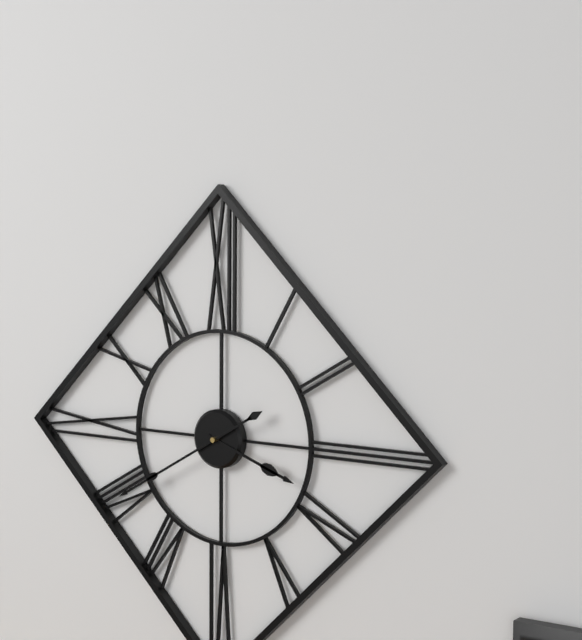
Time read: **3:40**
